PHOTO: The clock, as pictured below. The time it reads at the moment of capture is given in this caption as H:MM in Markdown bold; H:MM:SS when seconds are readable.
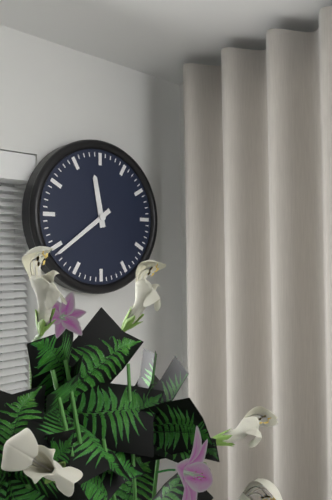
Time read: **11:39**
